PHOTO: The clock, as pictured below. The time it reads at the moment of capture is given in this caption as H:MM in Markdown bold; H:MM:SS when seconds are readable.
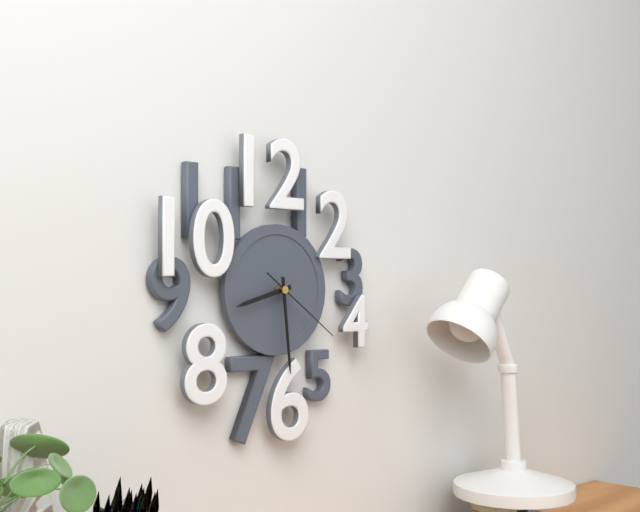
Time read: **8:29:21**
